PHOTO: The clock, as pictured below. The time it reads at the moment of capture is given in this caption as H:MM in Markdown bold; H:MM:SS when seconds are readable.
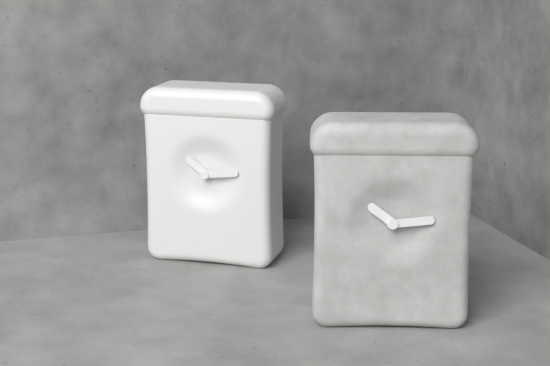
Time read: **10:14**
